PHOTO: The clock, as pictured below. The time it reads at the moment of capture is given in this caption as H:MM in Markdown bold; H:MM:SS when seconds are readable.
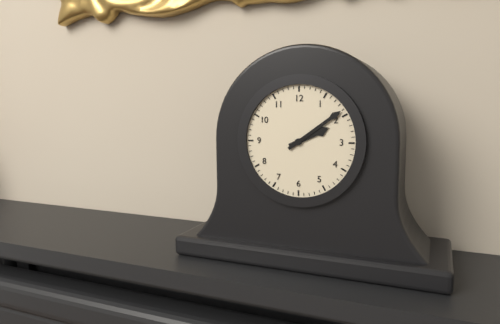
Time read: **2:09**
